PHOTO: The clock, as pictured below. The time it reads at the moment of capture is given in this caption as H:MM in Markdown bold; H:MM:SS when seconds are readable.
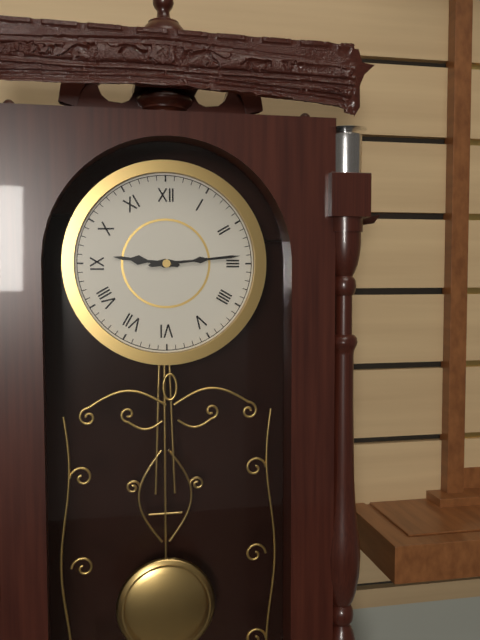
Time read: **9:14**
